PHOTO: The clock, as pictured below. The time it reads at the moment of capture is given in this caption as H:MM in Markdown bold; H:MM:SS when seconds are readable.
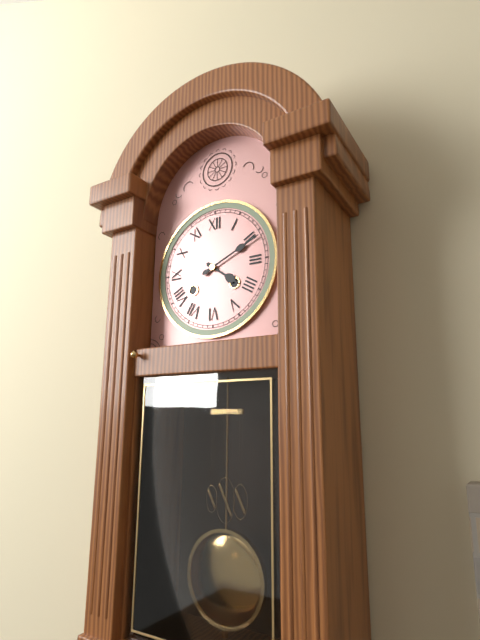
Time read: **4:11**
